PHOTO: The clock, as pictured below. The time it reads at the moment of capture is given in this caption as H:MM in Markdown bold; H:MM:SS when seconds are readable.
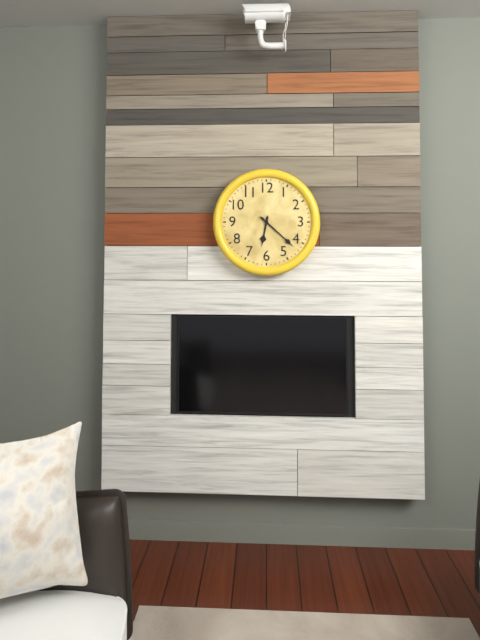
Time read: **6:22**
